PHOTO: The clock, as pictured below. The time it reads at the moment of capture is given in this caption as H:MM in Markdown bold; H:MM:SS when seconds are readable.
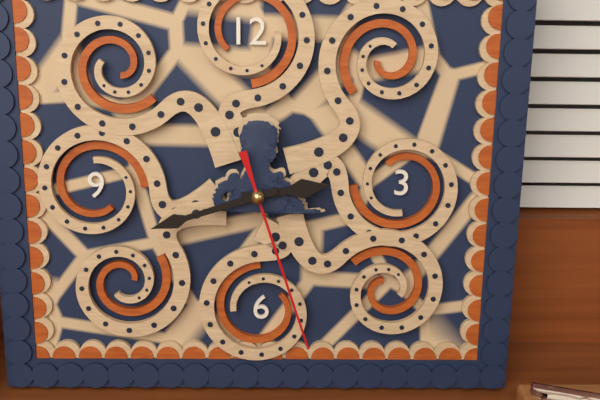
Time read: **2:42:27**
